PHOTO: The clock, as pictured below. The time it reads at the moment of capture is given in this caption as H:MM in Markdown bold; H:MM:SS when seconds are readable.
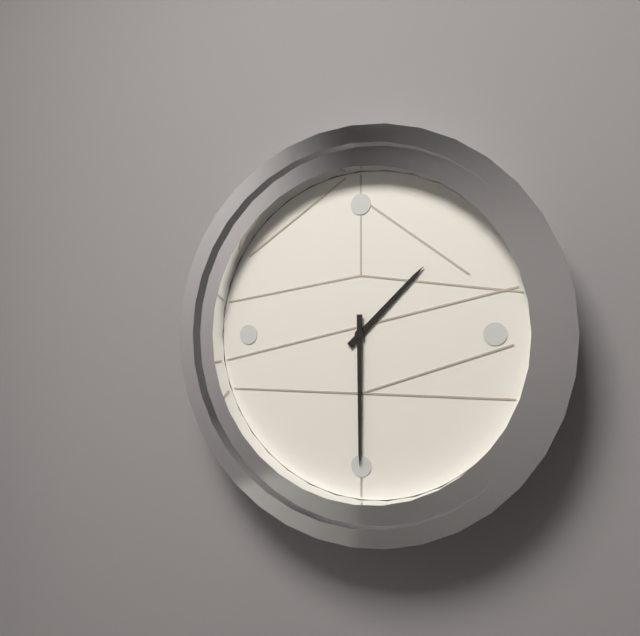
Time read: **1:30**
